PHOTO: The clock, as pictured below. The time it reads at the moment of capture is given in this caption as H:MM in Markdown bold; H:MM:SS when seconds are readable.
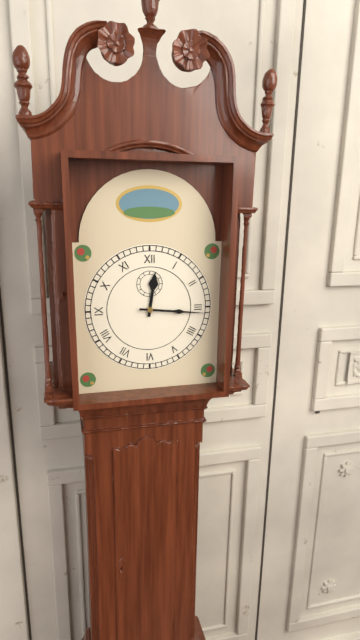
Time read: **12:16**
